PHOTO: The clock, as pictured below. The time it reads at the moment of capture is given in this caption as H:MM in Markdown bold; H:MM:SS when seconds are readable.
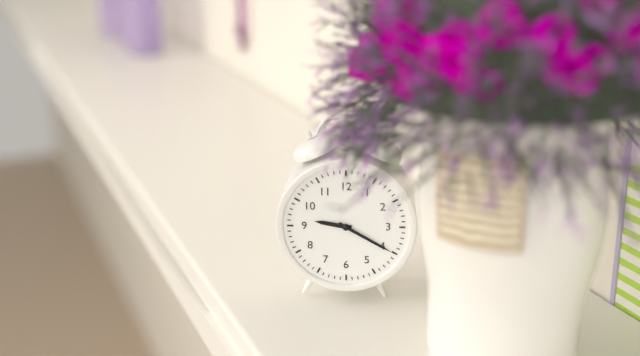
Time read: **9:20**
